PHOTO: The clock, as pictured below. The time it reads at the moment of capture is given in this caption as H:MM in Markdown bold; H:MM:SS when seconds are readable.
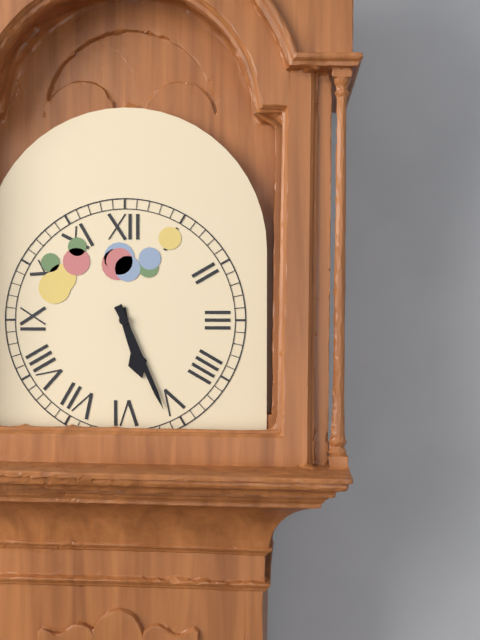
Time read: **5:26**
